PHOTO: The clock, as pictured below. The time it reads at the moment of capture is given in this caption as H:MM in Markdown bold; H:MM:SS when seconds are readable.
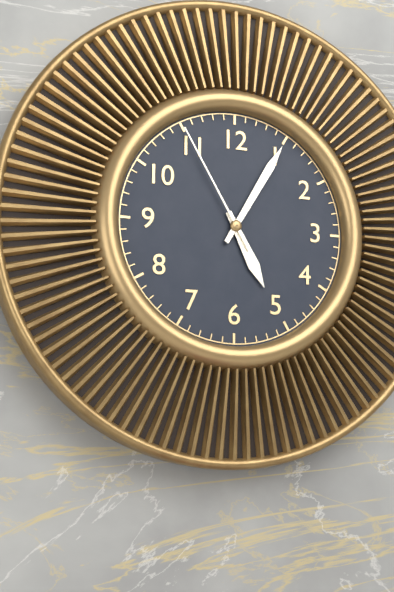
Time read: **5:05:55**
